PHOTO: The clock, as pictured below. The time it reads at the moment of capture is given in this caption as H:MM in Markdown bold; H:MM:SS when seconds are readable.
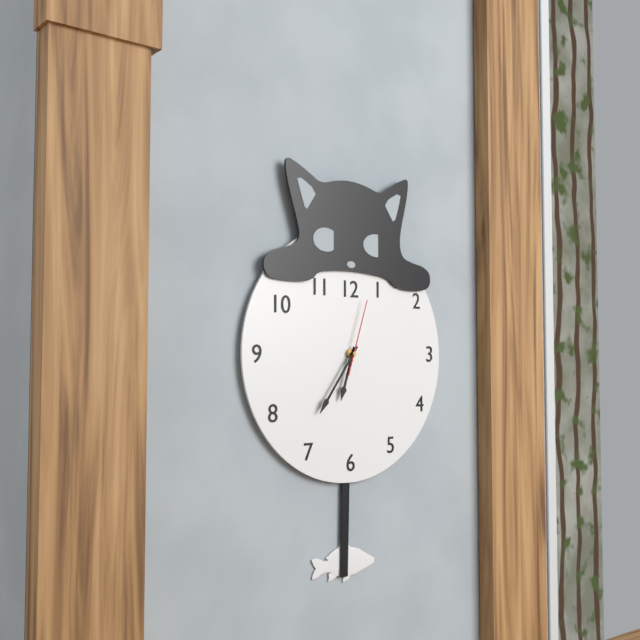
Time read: **6:36:03**
